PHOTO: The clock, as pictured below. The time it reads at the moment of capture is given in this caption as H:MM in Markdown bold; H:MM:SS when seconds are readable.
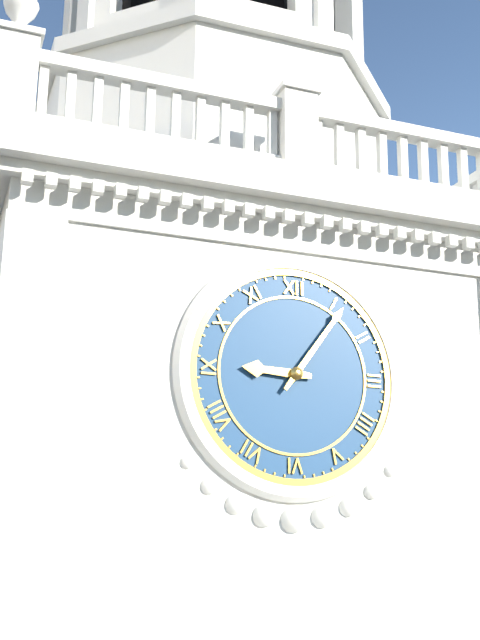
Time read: **9:06**
